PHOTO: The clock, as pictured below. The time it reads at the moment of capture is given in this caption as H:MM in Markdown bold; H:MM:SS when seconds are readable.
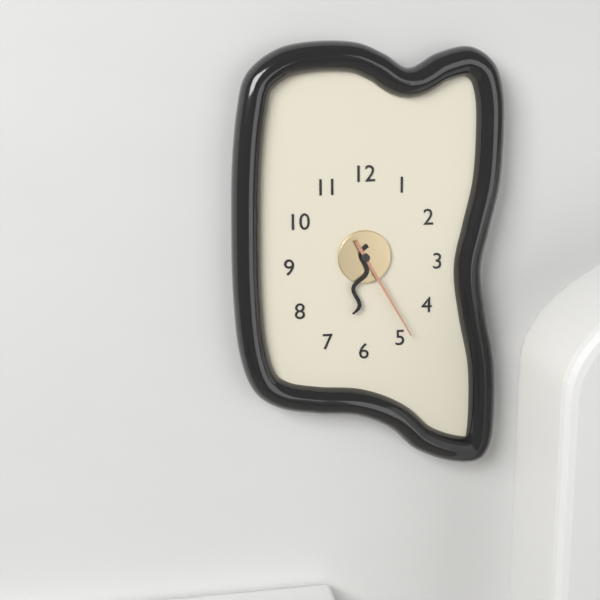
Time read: **6:25**
